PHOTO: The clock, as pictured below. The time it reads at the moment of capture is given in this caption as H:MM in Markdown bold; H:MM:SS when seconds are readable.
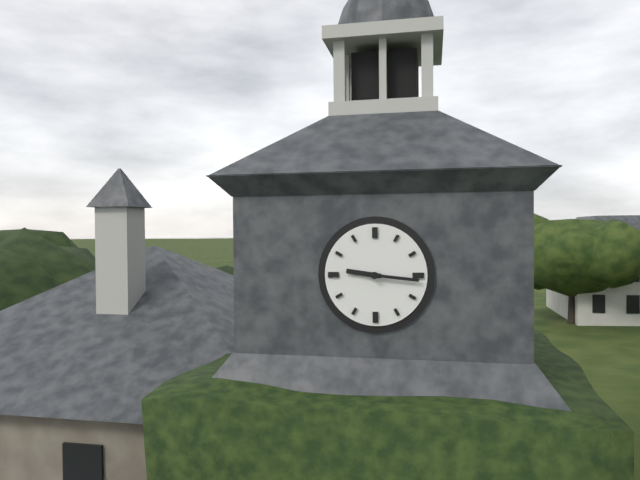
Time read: **9:16**
